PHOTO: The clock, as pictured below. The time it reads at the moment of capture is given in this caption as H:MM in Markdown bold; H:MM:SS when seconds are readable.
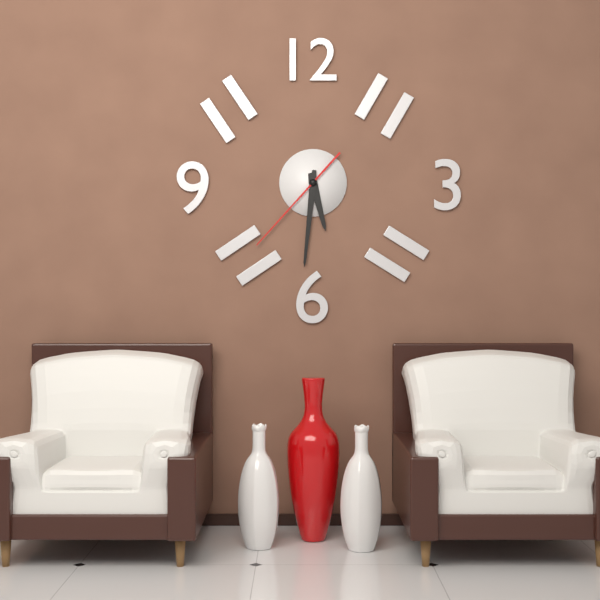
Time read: **5:31:37**
